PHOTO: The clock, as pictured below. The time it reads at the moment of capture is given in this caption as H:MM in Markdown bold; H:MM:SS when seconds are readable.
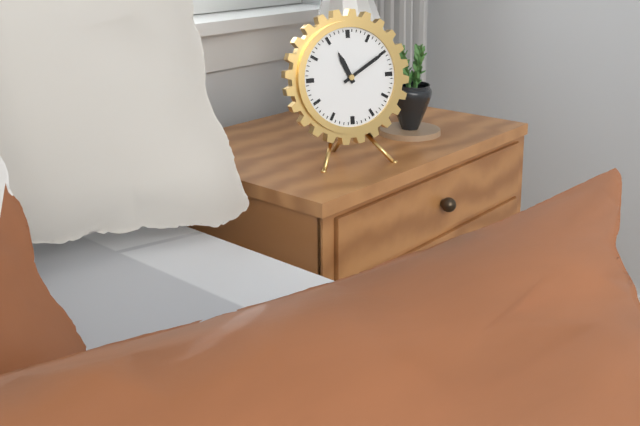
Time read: **11:10**
